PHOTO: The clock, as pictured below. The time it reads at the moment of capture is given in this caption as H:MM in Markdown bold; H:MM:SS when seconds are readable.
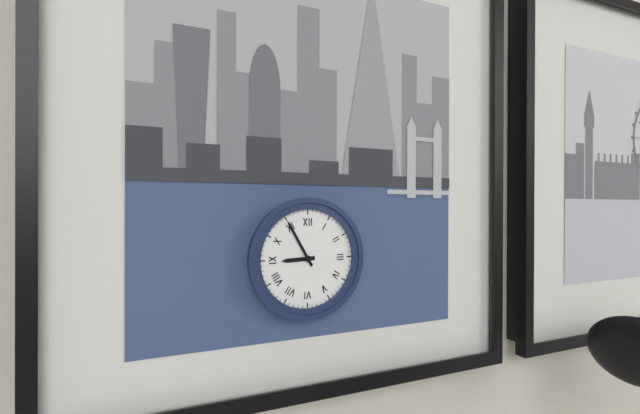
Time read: **8:55**
